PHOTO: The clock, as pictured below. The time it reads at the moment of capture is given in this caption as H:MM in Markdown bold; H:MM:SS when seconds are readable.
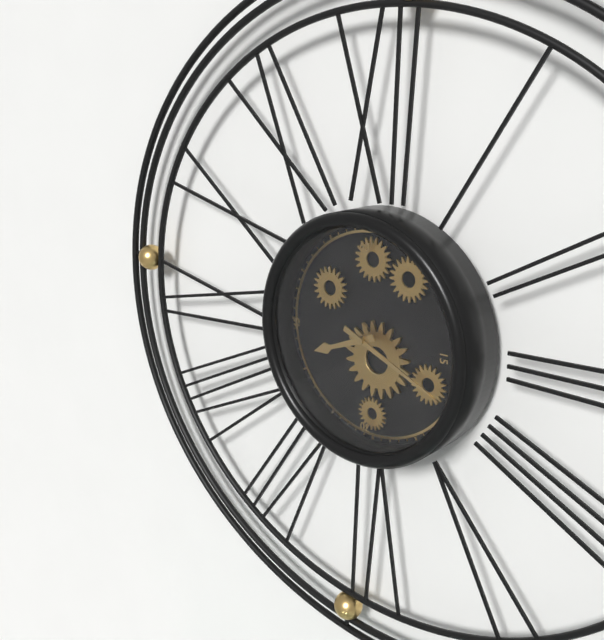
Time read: **8:19**
